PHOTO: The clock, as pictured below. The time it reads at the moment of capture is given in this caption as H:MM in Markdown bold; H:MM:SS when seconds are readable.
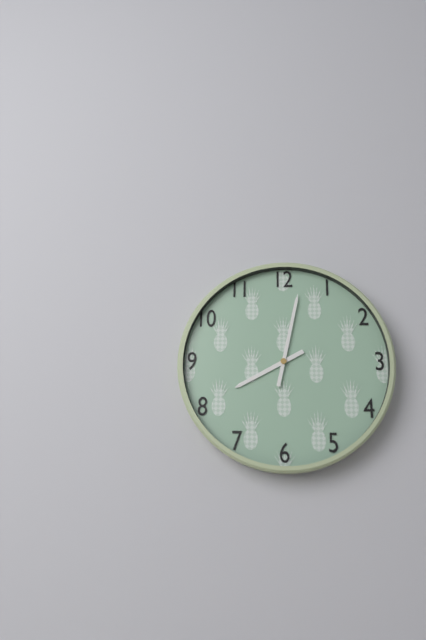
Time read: **8:02**
